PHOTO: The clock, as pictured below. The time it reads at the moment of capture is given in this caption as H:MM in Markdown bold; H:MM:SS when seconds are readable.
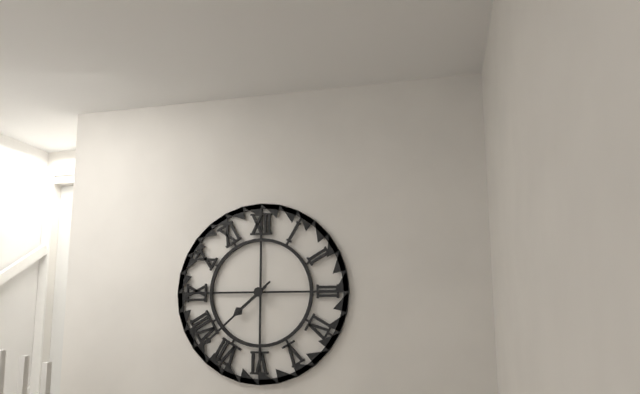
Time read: **7:38**
